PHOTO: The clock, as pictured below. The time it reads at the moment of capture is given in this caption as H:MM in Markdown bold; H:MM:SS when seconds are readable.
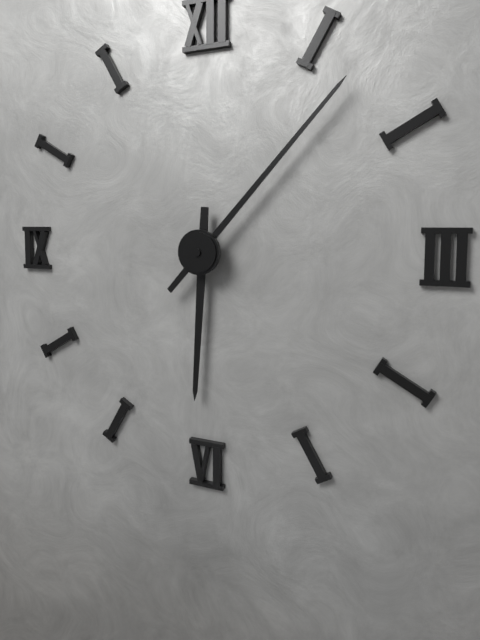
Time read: **6:07**
